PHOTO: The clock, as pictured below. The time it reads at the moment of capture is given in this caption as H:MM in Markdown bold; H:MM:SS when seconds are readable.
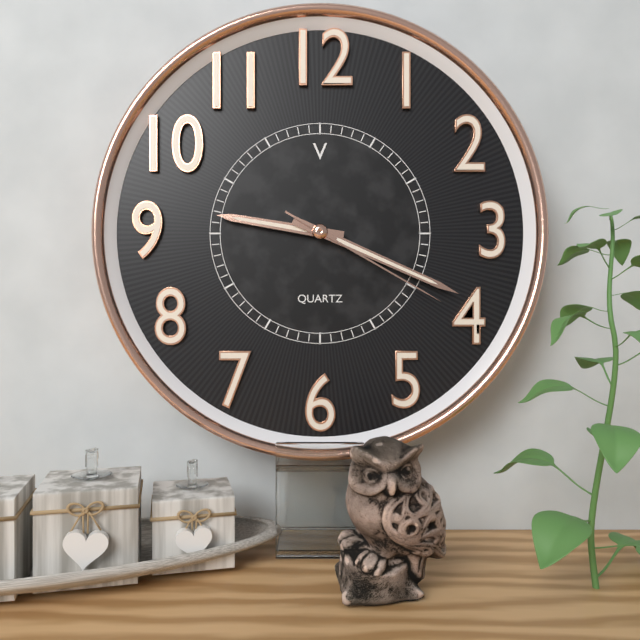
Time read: **9:19:20**
